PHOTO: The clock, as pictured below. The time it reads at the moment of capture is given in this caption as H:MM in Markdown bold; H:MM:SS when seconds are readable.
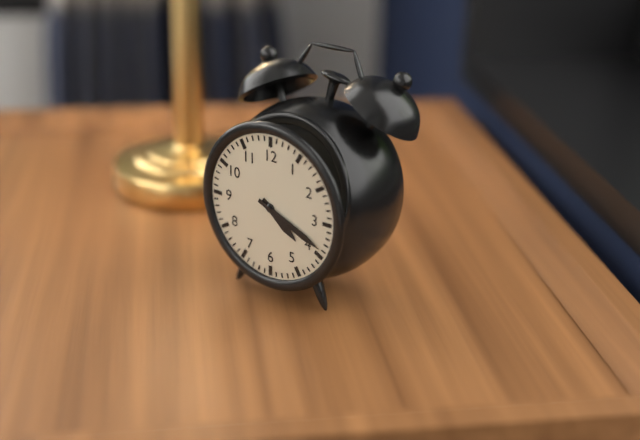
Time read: **4:19**
